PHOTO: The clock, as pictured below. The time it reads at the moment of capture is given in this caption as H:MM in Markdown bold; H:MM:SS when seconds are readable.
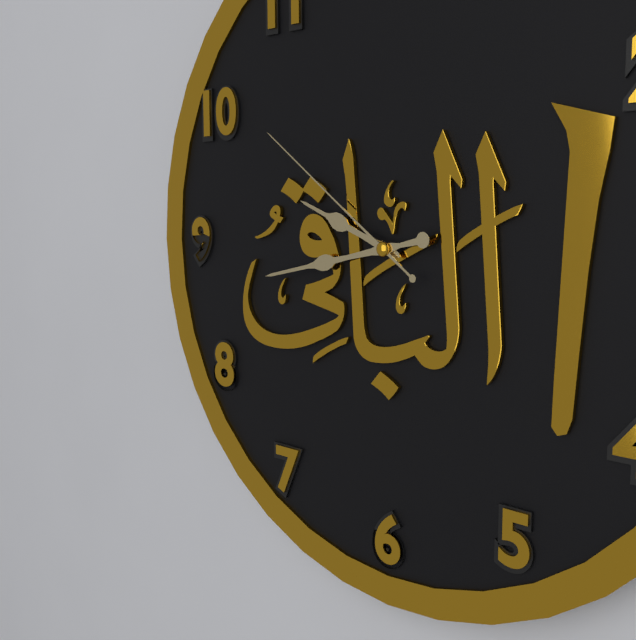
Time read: **9:43:51**
